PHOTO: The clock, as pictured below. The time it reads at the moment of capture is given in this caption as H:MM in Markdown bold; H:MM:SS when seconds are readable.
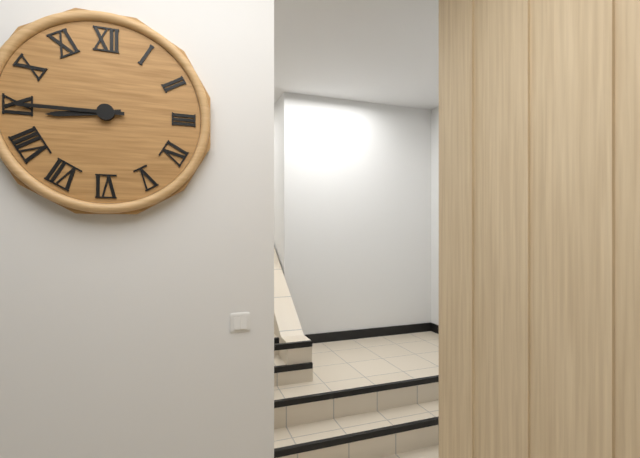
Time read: **8:45**
